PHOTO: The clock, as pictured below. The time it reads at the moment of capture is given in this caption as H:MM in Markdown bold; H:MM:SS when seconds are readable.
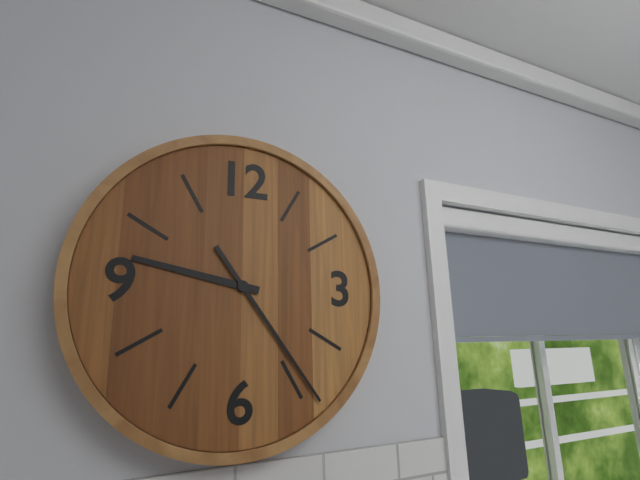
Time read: **9:24**
